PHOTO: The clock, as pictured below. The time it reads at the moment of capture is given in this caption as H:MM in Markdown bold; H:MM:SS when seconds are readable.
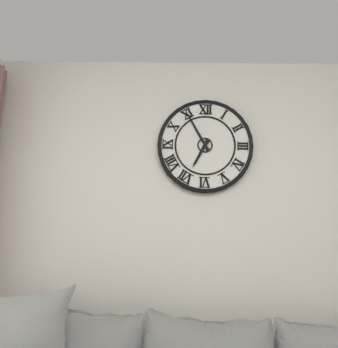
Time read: **6:55**
